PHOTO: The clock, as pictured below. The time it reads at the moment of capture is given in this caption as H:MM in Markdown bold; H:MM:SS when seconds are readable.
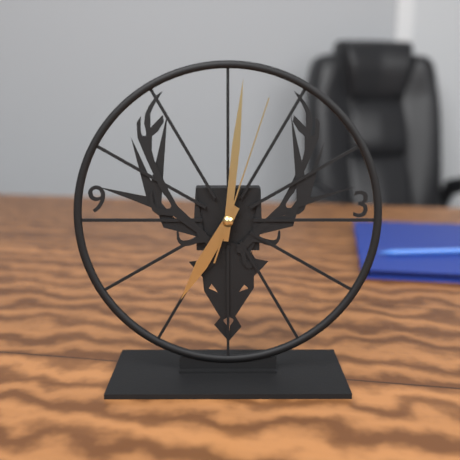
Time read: **7:01:03**
